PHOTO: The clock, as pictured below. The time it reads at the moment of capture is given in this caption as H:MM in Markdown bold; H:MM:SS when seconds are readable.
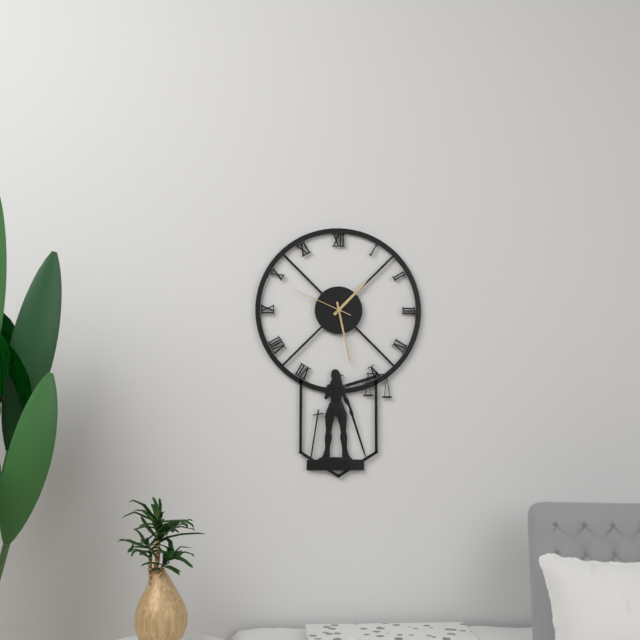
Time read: **1:28:49**
